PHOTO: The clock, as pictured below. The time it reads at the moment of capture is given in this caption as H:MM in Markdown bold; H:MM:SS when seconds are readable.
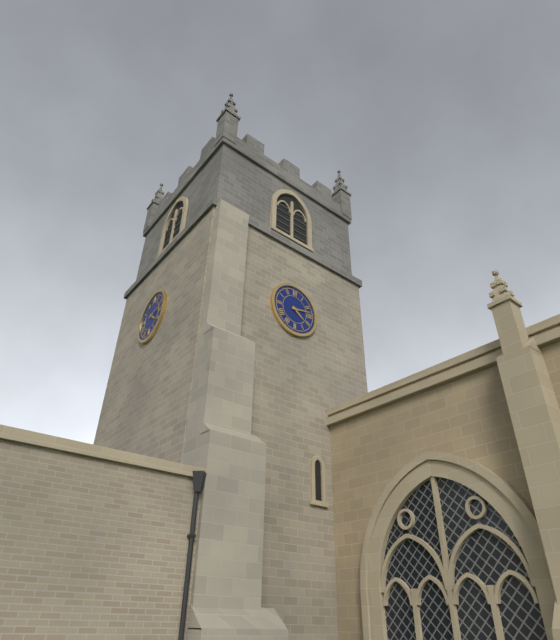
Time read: **4:13**
